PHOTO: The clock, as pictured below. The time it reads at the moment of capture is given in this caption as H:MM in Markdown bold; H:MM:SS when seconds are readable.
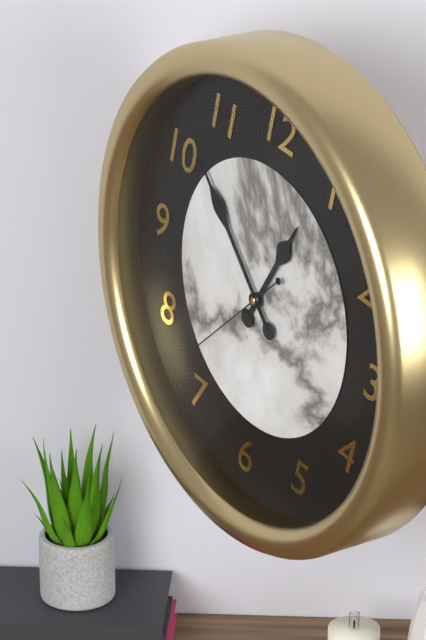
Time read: **12:52:37**
